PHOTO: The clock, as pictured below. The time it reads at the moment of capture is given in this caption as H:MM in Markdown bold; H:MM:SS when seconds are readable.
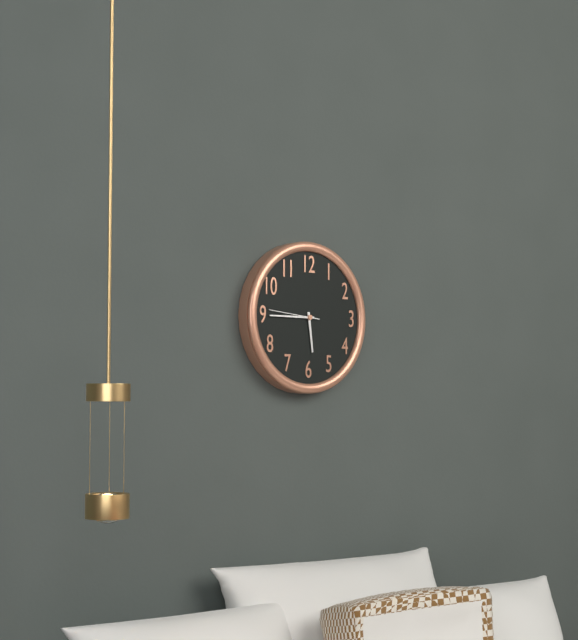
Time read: **5:45**
